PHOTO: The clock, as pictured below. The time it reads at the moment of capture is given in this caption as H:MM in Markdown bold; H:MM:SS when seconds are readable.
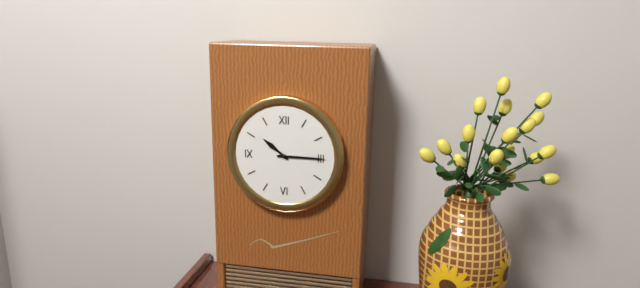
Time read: **10:15**
